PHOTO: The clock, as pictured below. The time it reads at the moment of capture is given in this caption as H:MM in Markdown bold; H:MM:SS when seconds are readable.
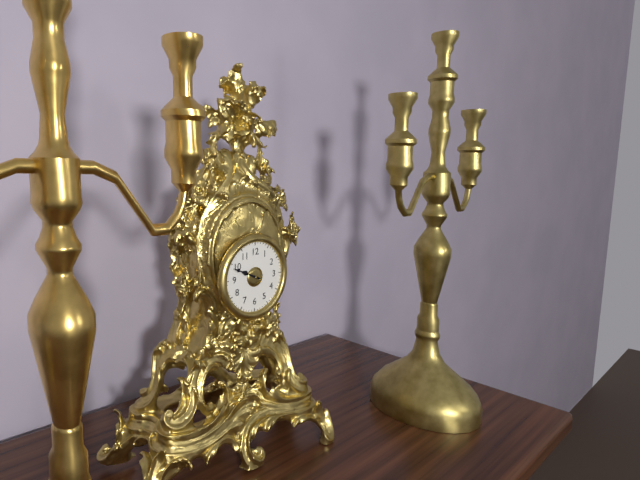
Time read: **9:49**
